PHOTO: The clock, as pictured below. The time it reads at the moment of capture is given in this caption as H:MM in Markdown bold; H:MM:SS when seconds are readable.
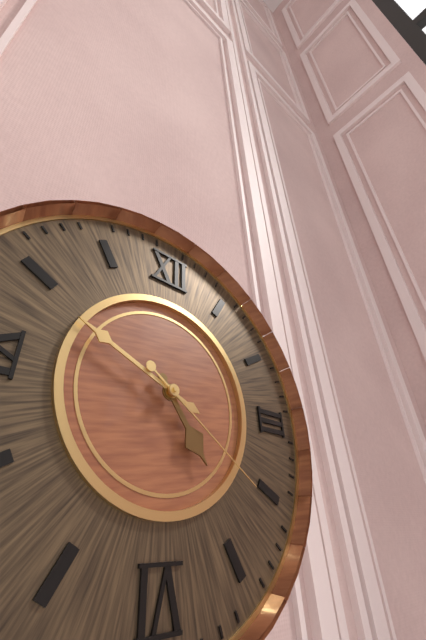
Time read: **4:49:21**
